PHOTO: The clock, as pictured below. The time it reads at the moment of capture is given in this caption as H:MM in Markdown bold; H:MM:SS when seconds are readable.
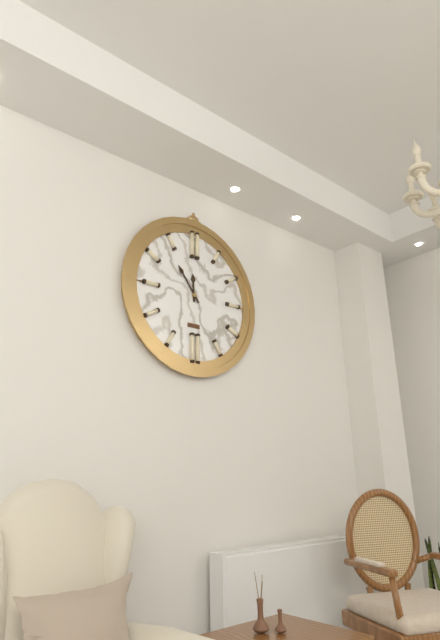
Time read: **11:54**
